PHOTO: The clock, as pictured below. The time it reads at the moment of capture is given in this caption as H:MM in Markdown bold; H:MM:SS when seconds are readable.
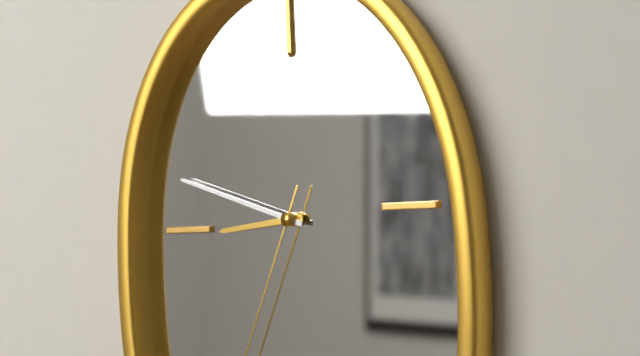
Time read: **8:48**
